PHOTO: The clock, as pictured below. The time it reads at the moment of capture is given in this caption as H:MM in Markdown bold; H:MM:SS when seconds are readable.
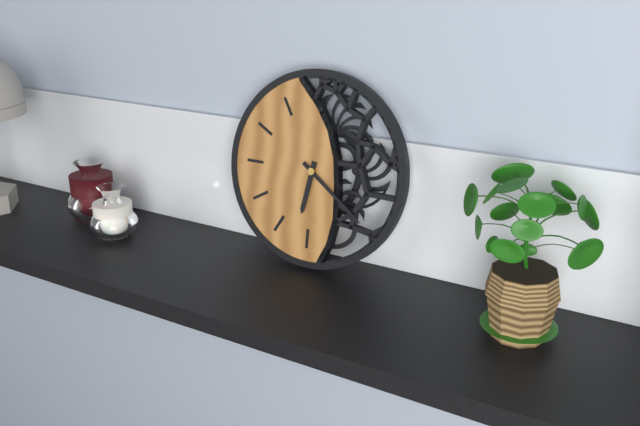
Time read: **6:21**
